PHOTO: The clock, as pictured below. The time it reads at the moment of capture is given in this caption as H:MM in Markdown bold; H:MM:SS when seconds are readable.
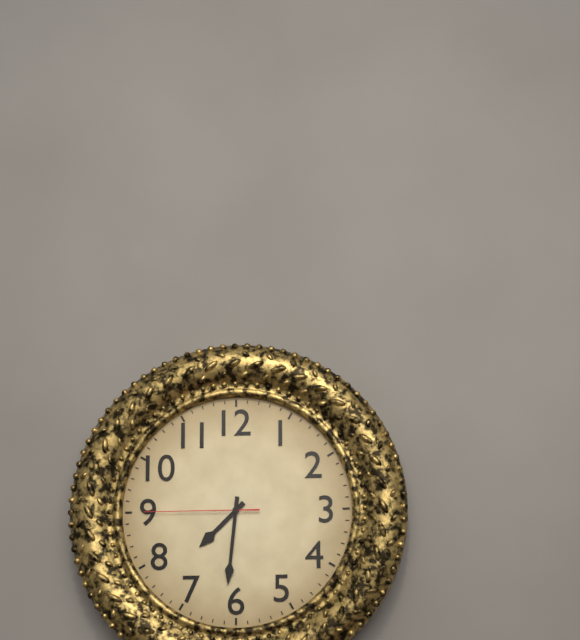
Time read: **7:31:45**
